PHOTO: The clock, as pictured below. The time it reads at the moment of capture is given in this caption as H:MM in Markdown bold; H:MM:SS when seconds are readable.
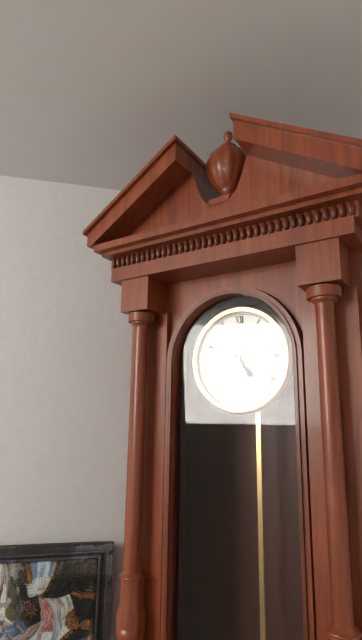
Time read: **4:49**
